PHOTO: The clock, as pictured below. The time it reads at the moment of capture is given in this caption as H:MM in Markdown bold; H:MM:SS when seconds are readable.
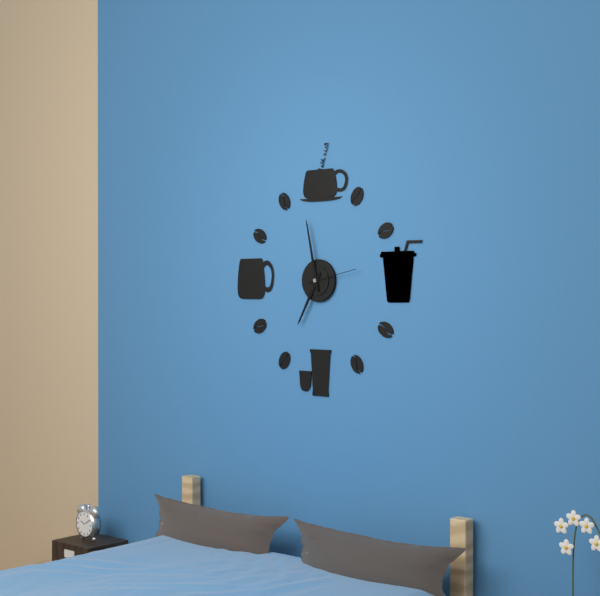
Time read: **6:58:13**
